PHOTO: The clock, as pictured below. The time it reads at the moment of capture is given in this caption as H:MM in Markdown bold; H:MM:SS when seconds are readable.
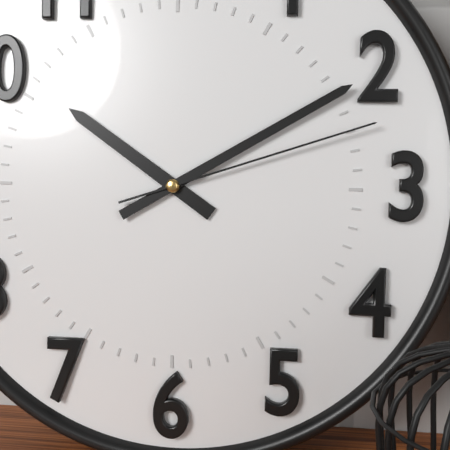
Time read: **10:10:12**
